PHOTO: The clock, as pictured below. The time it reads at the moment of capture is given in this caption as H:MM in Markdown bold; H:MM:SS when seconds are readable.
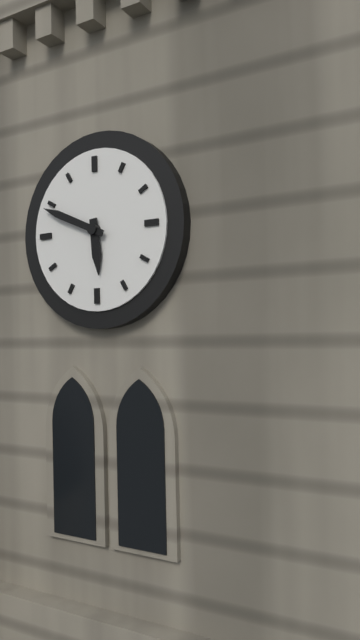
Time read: **5:49**
